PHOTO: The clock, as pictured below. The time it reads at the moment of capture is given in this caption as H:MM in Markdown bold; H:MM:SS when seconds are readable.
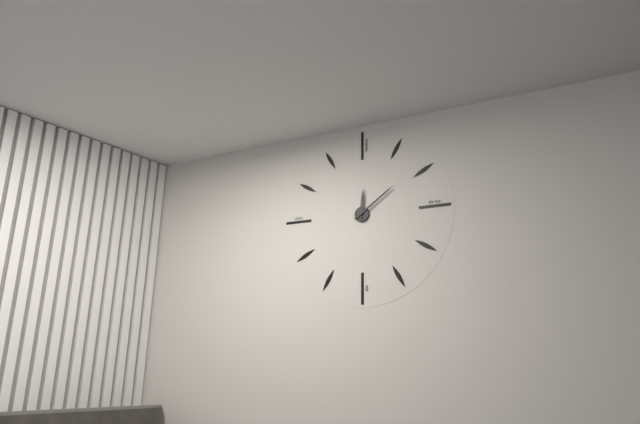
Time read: **12:09**
